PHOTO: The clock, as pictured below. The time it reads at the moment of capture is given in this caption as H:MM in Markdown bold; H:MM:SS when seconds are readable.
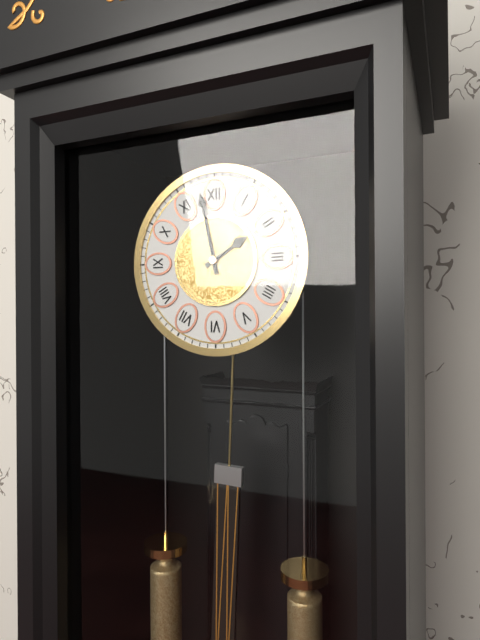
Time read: **1:58**
